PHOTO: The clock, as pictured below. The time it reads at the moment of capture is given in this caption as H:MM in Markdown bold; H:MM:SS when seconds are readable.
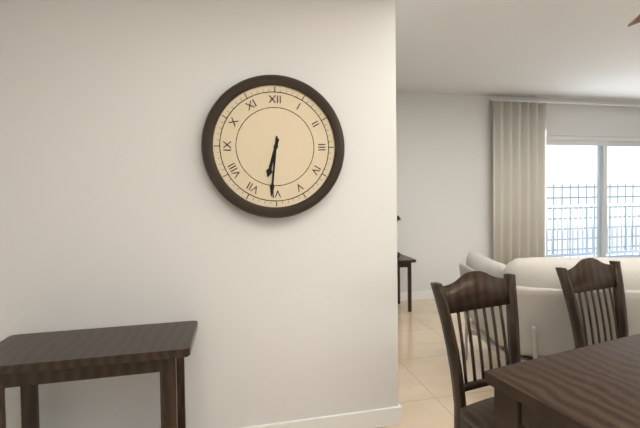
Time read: **6:31**
